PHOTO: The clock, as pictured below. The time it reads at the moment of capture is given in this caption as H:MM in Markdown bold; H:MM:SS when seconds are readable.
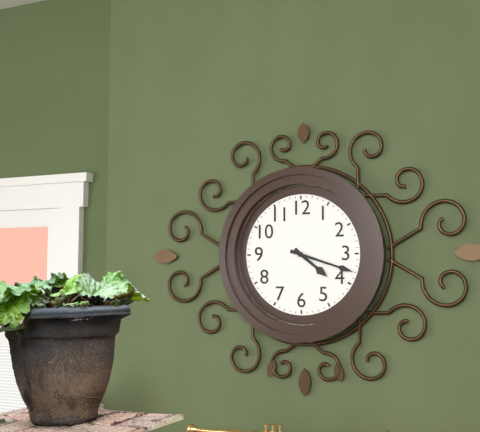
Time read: **4:18**
